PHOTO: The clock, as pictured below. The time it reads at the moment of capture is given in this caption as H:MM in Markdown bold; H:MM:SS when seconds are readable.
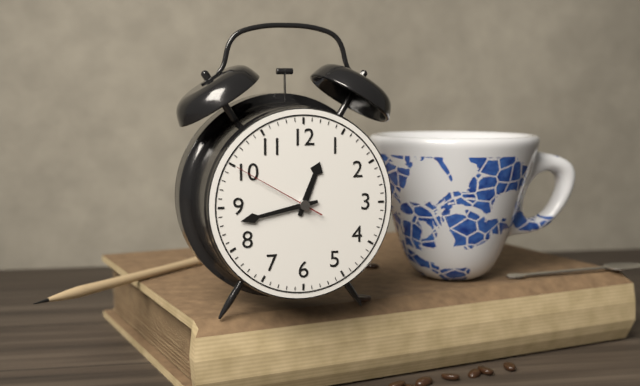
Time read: **12:43:50**
